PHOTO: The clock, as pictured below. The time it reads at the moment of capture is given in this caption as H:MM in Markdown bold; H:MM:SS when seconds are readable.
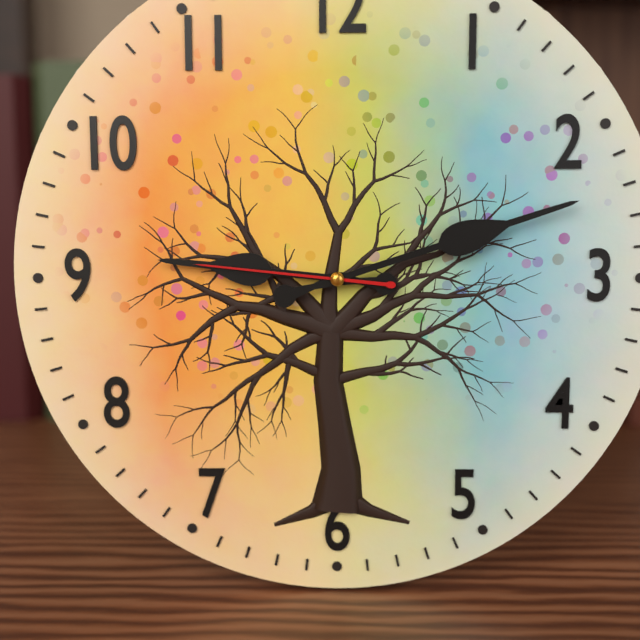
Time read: **9:12:46**
